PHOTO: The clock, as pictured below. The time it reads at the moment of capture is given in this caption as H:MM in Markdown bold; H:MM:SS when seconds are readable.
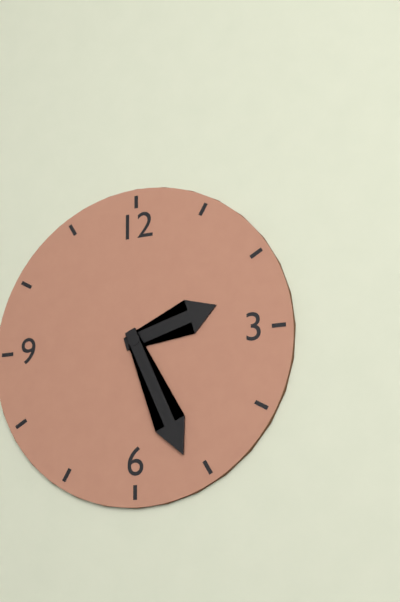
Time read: **2:26**
